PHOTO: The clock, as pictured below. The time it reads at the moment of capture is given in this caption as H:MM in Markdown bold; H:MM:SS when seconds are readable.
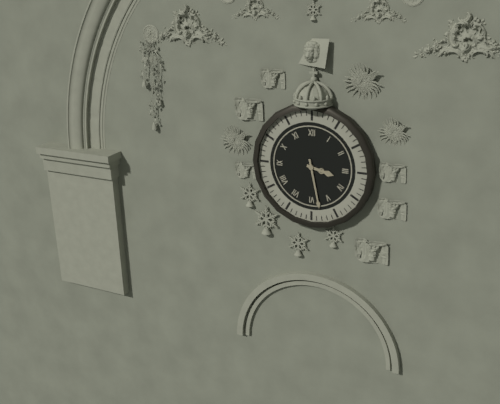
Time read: **3:28**
